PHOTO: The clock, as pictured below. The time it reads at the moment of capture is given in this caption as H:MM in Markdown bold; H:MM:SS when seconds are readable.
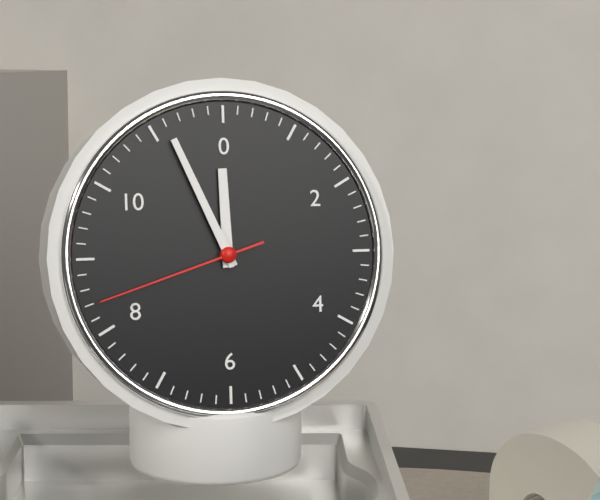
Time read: **11:56:42**
